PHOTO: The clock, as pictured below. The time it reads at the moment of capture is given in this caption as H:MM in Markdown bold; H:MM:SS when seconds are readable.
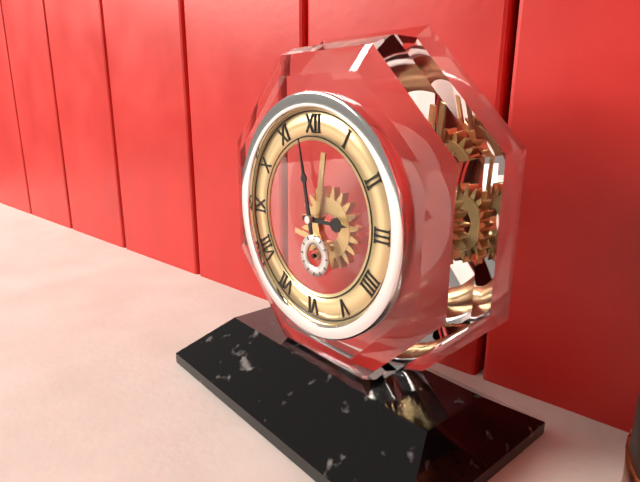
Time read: **2:58**
